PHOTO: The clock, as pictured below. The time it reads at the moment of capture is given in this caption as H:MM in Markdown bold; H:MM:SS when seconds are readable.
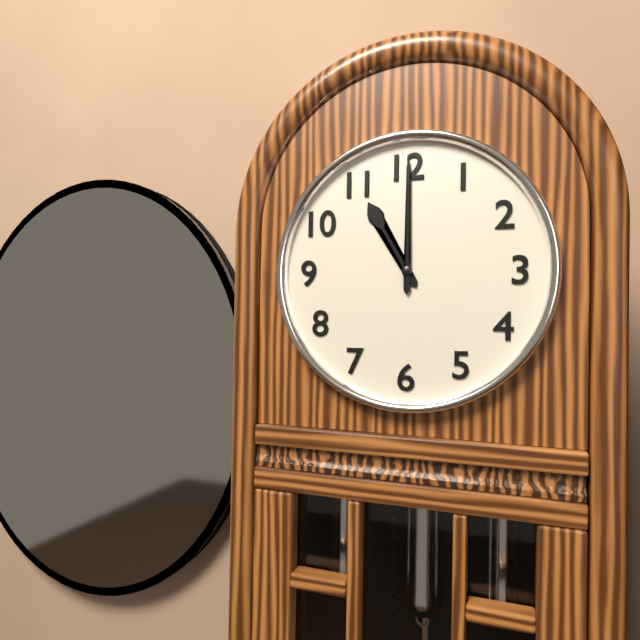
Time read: **11:00**
